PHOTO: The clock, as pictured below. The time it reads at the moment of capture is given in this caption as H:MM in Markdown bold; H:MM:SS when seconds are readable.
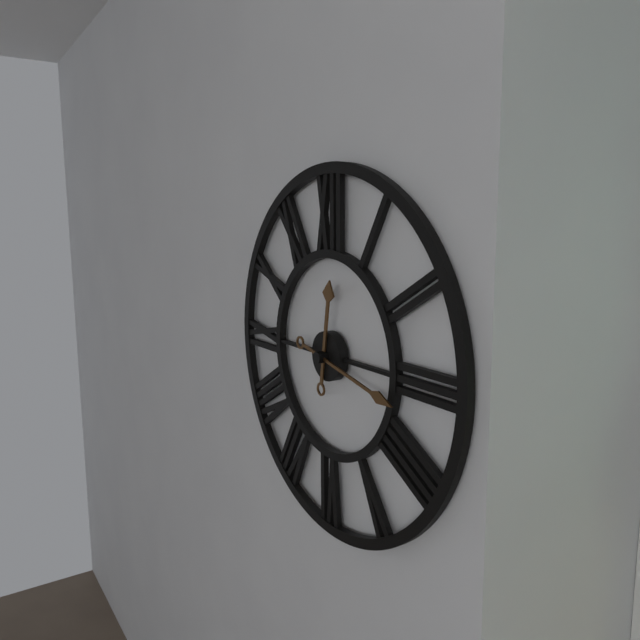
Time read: **12:17**
